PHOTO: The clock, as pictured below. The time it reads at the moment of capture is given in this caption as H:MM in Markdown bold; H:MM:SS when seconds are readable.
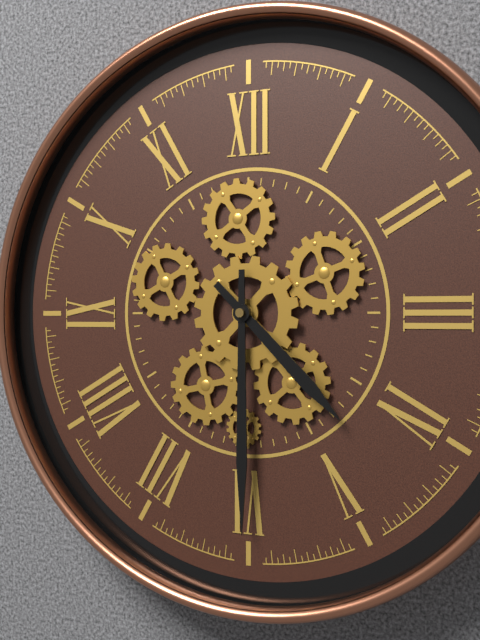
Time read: **4:30**
